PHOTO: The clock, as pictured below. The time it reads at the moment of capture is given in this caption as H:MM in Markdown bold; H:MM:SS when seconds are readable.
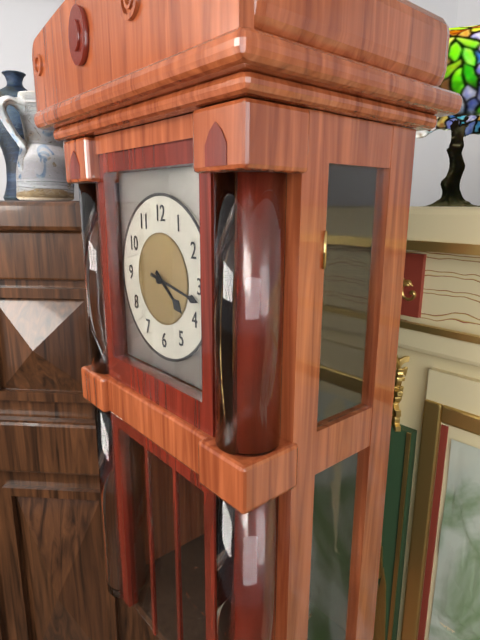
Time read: **4:17**
